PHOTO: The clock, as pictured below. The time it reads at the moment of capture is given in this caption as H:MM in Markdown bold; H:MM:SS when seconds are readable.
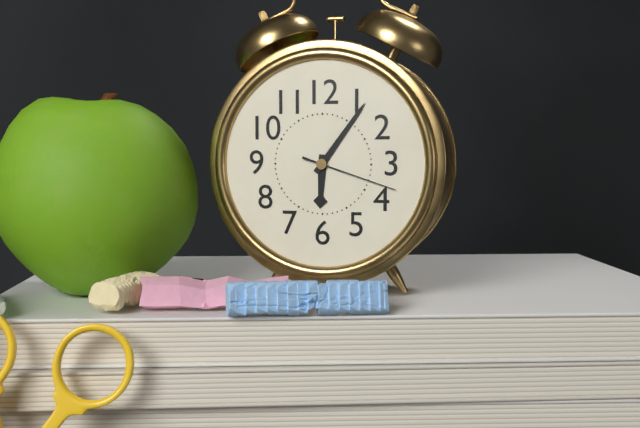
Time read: **6:06:18**
